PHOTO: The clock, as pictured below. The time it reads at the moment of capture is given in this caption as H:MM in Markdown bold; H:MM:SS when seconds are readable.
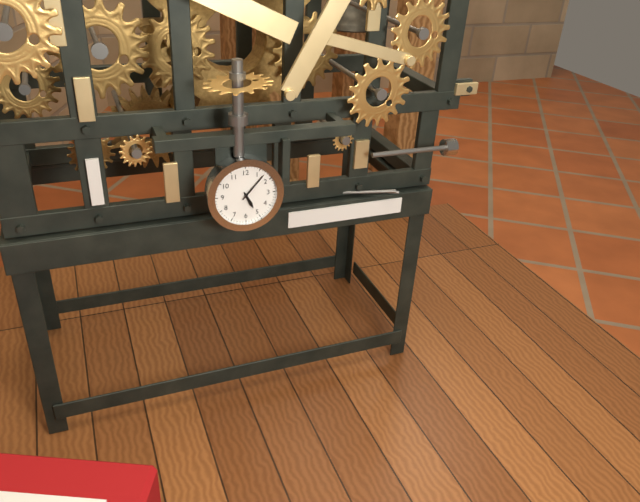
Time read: **5:07**
